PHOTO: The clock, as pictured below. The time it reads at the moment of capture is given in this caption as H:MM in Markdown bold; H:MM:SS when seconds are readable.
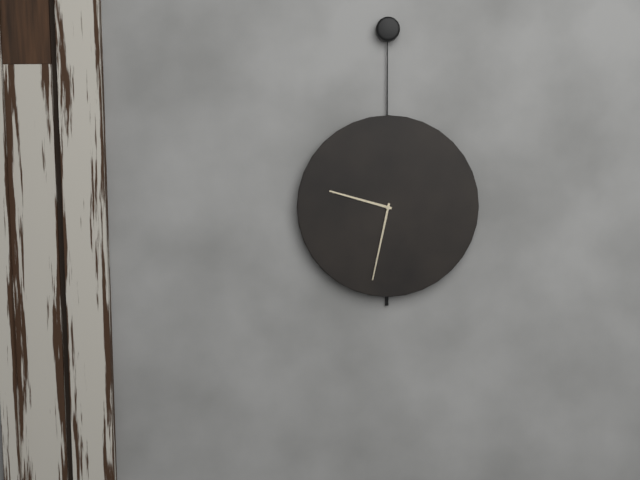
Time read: **9:32**
